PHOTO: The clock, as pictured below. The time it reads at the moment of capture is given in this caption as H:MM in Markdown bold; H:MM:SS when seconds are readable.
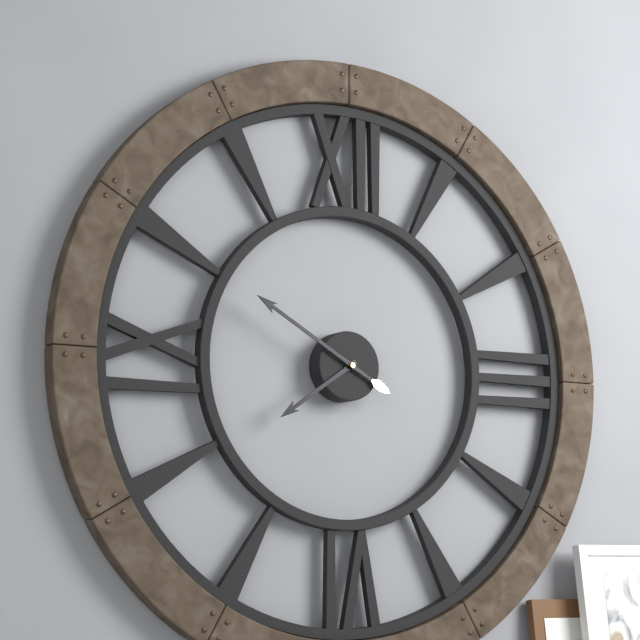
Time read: **7:50**
